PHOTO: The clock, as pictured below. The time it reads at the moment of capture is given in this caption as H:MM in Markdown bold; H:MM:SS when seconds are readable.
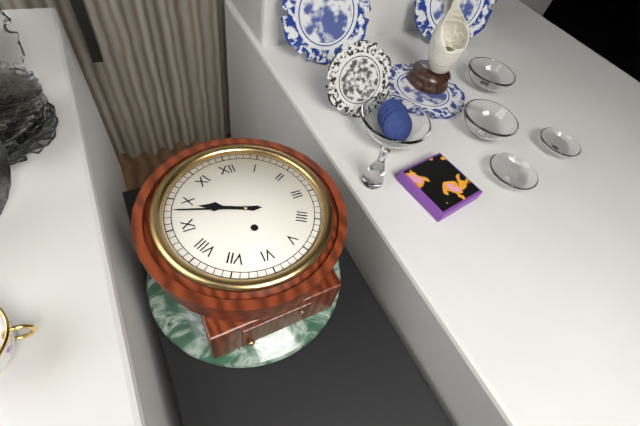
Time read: **9:48**
